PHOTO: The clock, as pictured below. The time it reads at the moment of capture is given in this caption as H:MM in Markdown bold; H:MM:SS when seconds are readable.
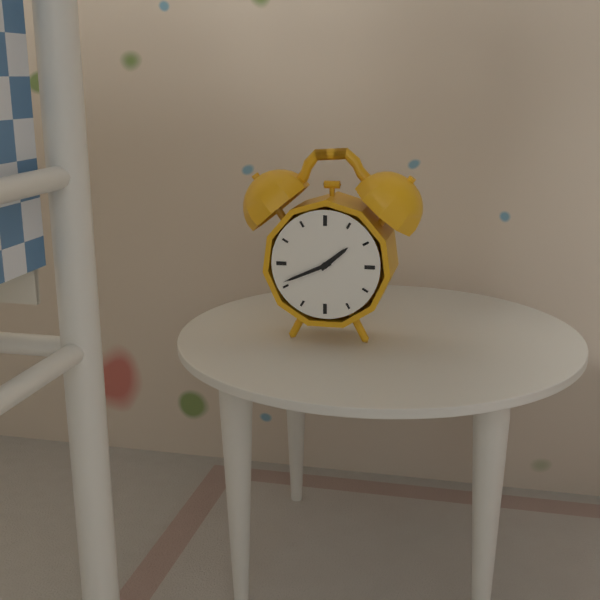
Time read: **1:41**
